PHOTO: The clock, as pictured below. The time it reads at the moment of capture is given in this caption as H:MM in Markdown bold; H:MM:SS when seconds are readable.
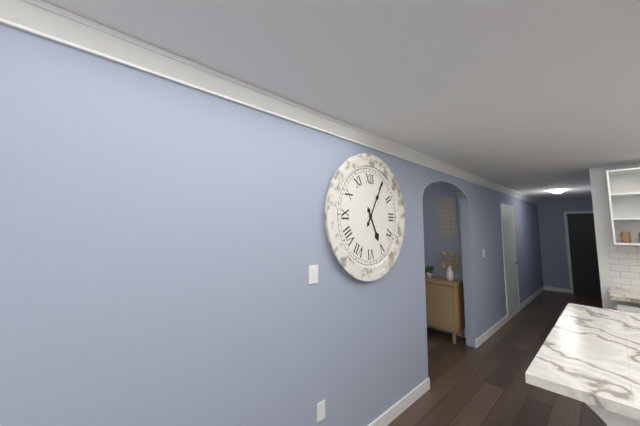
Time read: **5:05**
